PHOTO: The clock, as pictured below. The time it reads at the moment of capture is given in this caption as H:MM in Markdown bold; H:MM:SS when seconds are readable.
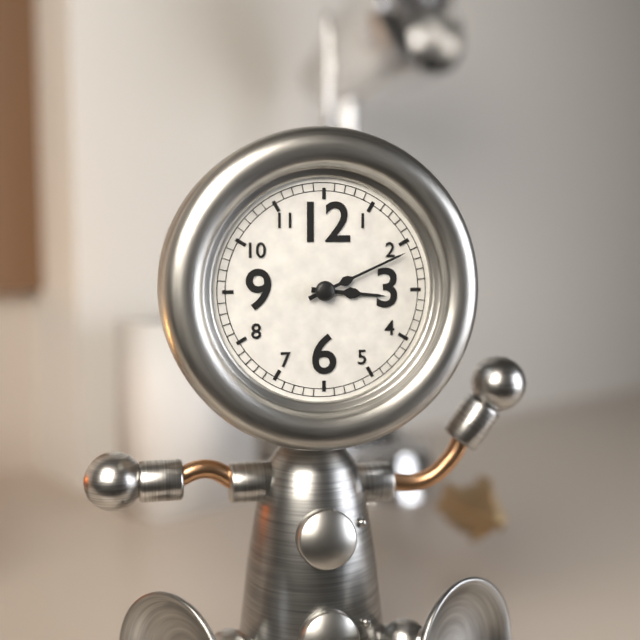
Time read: **3:11**
